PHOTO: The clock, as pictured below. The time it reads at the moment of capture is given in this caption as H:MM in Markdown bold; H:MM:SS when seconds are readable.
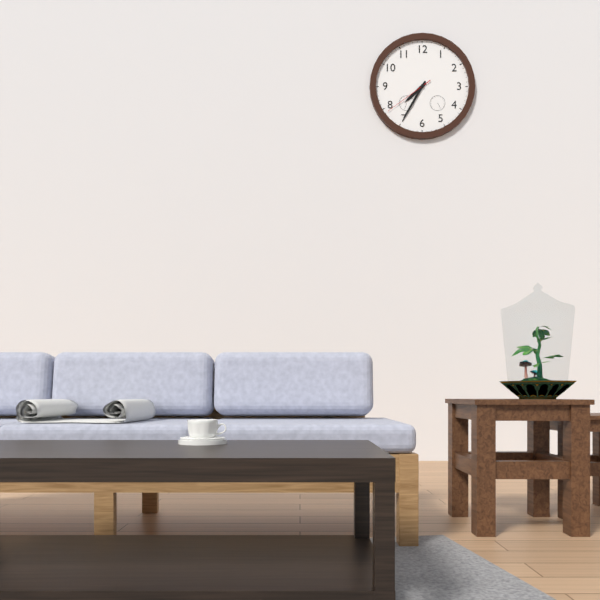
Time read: **7:35:39**
